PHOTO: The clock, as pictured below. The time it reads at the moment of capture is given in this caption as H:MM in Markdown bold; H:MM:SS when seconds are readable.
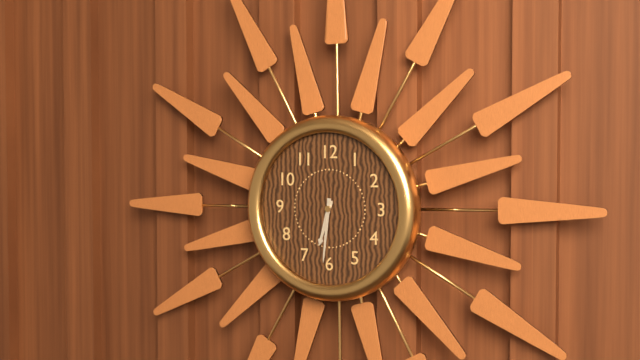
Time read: **6:31**
